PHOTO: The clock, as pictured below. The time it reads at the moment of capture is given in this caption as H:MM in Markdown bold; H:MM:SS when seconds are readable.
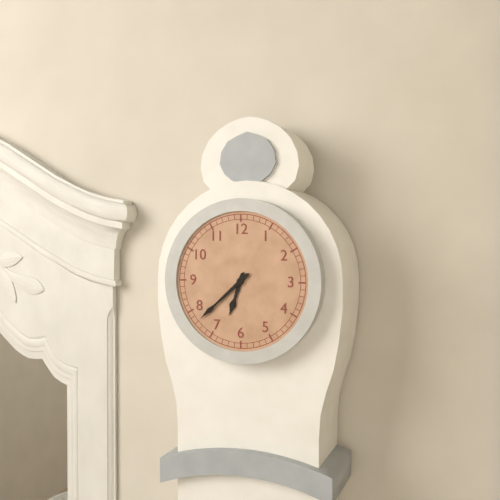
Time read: **6:38**
